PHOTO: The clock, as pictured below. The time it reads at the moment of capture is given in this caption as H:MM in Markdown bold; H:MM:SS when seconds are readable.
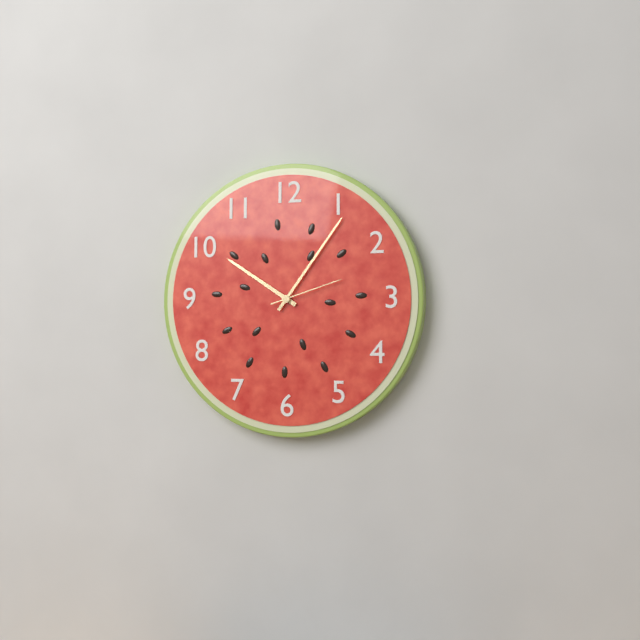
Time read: **10:06:12**
